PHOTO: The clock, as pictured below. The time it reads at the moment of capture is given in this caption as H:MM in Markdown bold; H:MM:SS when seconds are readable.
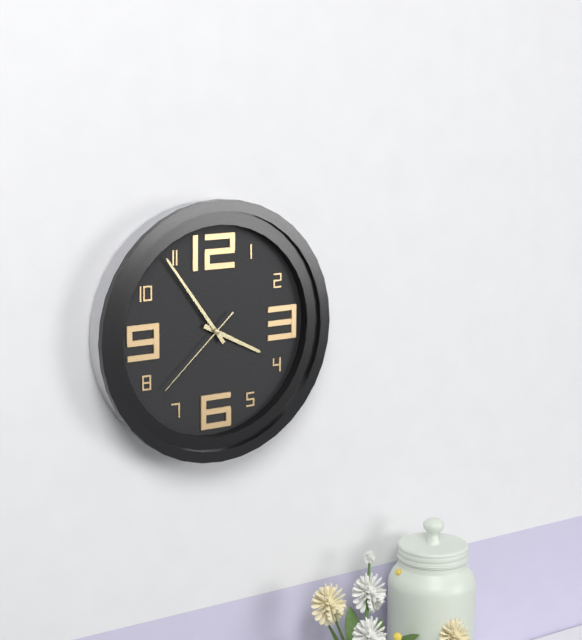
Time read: **3:54:38**
